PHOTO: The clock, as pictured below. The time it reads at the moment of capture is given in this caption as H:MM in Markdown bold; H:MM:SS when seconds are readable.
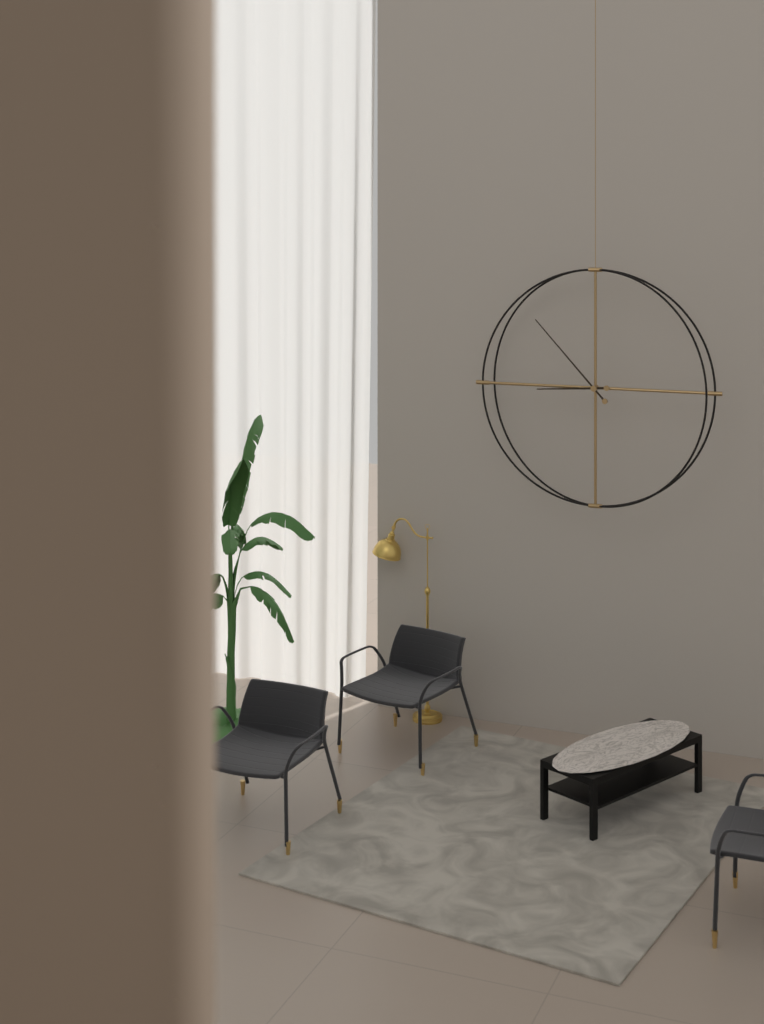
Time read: **8:53**
